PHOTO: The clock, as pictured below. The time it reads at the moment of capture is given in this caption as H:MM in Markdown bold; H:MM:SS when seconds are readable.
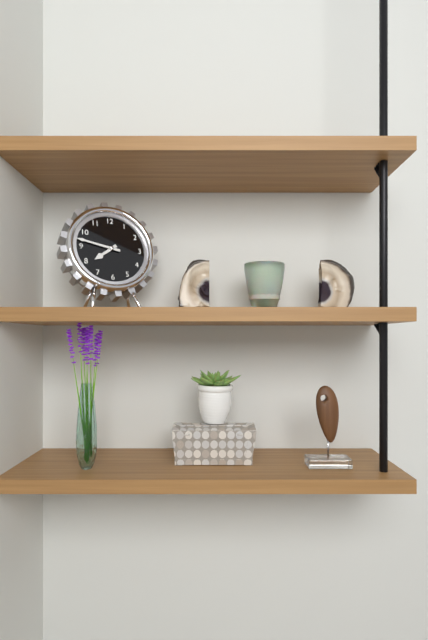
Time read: **7:47**
